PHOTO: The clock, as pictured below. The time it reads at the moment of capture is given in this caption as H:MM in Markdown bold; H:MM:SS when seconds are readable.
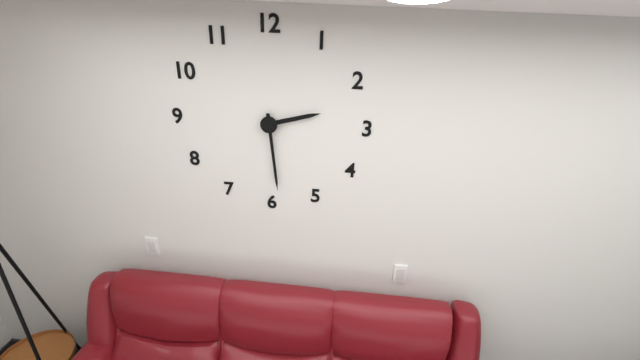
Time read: **2:29**
